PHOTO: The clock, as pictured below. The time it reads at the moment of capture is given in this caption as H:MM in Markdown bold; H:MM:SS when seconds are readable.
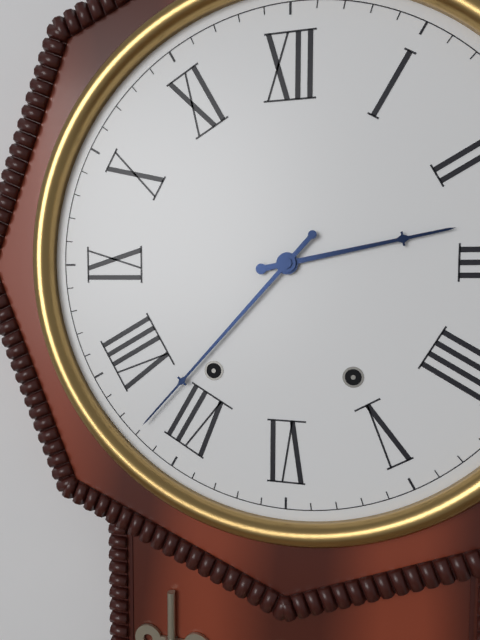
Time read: **2:37**
